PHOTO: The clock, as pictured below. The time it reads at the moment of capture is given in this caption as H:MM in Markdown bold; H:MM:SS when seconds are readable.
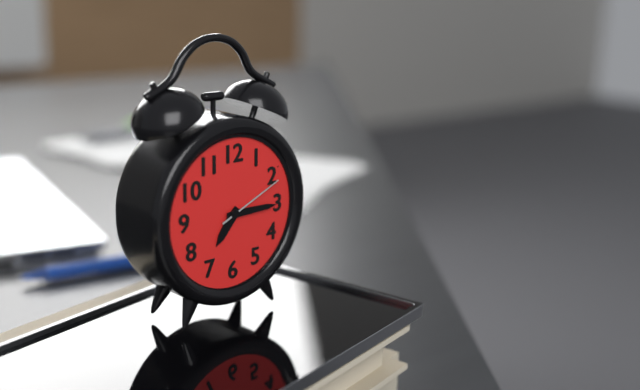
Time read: **7:15:11**
